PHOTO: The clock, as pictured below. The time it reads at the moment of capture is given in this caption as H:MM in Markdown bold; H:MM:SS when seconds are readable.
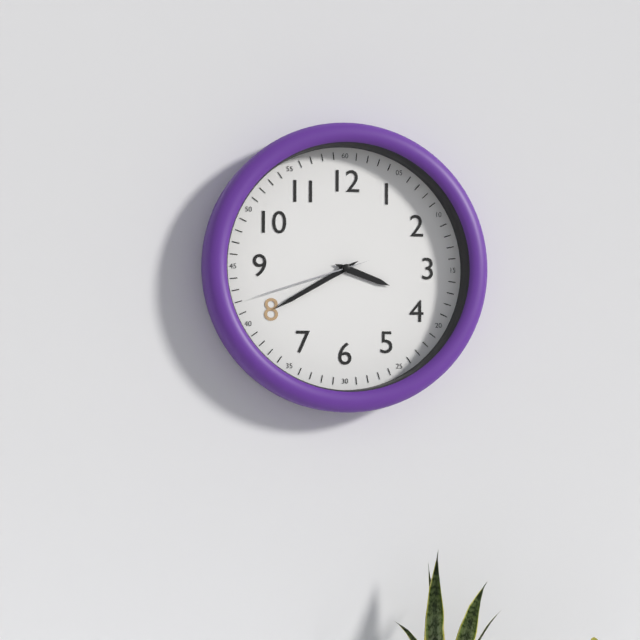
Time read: **3:40:42**
